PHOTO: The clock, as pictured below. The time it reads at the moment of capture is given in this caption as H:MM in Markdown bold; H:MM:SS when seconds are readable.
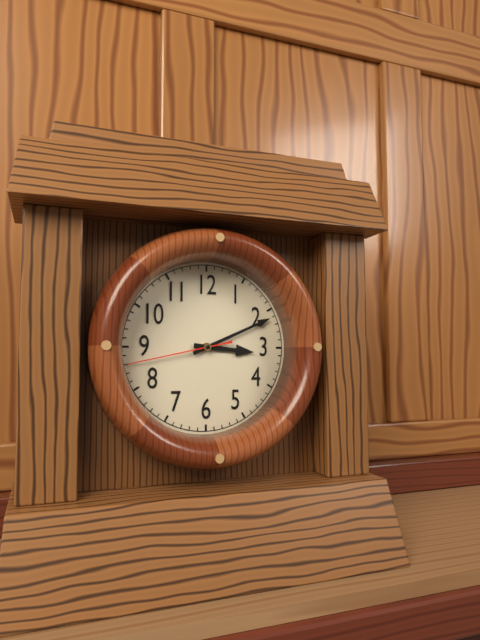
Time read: **3:11:43**
